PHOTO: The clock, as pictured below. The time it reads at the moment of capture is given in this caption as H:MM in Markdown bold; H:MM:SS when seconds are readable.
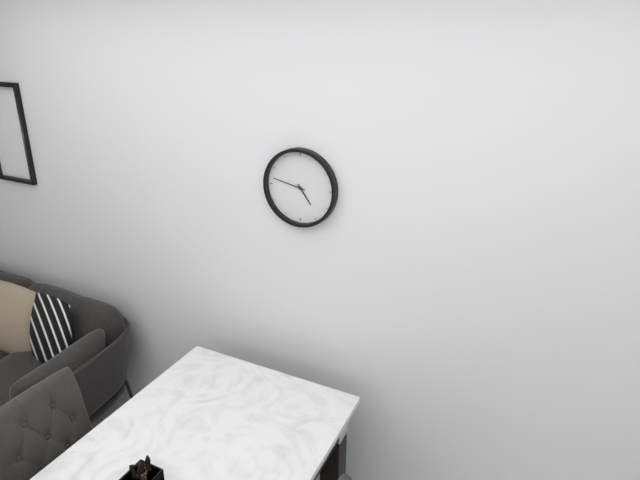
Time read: **4:47**
